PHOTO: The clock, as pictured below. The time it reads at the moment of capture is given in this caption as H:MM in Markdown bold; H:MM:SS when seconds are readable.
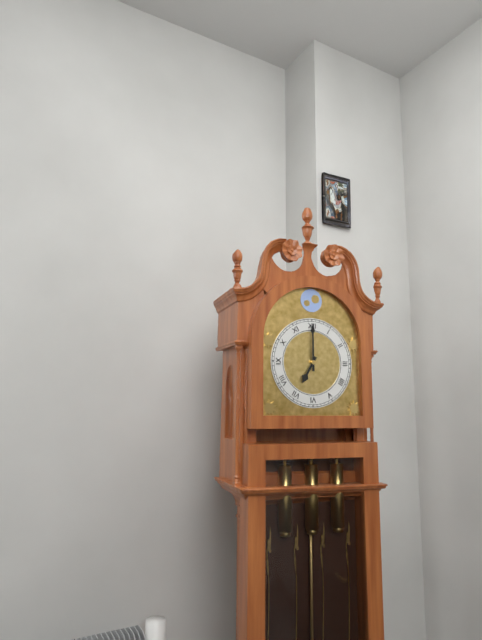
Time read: **7:00**
